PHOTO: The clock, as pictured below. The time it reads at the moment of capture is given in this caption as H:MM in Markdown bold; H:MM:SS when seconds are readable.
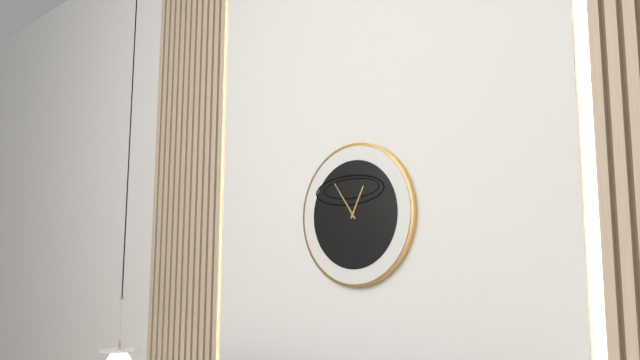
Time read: **12:54**
